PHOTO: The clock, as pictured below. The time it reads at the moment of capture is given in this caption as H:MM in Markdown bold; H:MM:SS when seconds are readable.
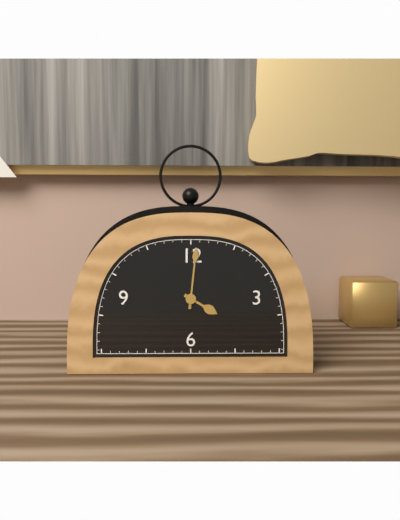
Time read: **4:01**
